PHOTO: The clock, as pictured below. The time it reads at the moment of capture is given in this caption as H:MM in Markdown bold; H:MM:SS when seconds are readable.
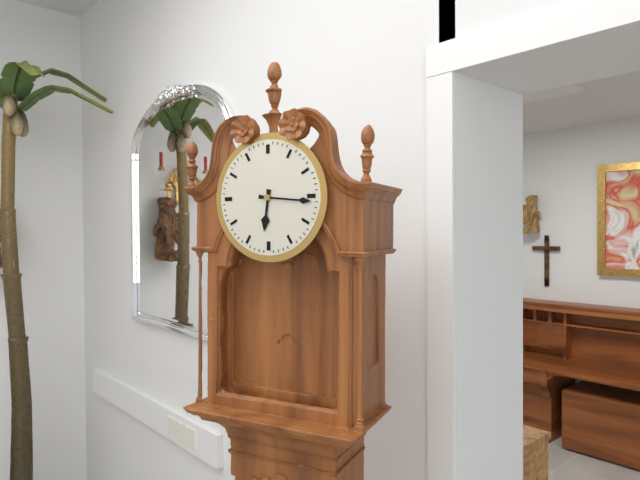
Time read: **6:16**
